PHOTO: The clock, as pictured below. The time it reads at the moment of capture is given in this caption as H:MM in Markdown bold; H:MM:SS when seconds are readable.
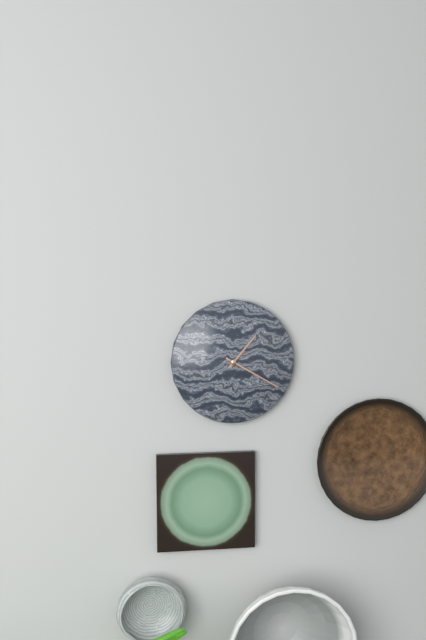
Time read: **1:20**
